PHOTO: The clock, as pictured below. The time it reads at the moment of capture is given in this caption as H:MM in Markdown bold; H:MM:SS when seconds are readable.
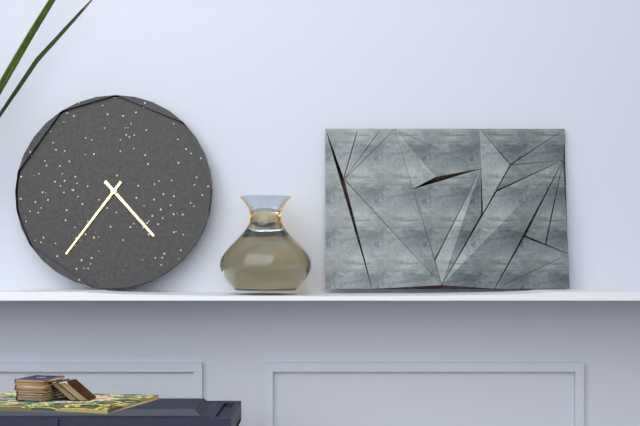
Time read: **4:36**
